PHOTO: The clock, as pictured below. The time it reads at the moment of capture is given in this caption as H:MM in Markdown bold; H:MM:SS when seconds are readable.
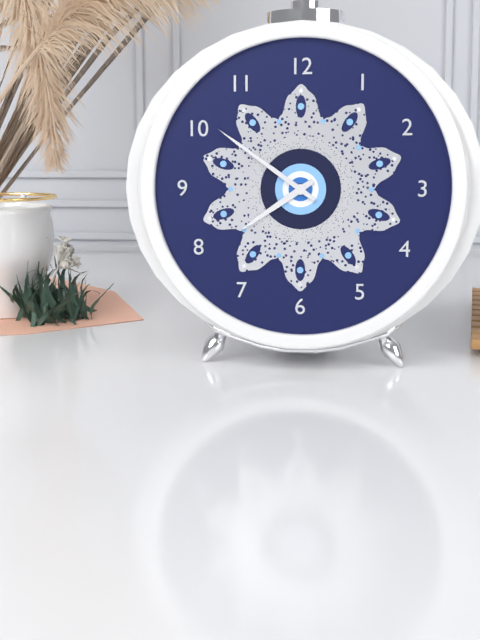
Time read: **7:51**
